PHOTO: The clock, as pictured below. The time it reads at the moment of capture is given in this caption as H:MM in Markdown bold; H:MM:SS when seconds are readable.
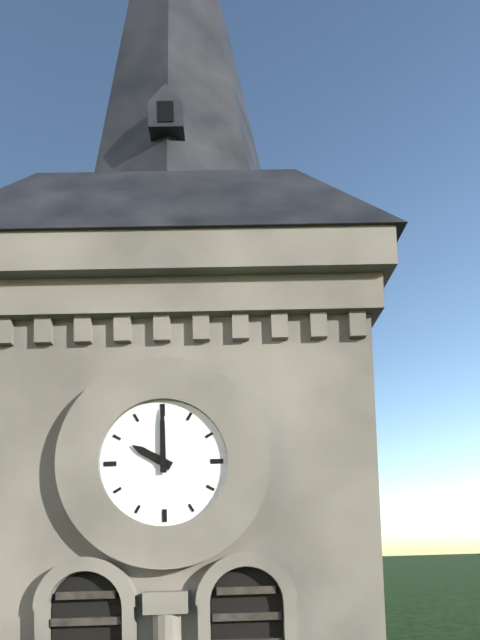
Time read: **10:00**
